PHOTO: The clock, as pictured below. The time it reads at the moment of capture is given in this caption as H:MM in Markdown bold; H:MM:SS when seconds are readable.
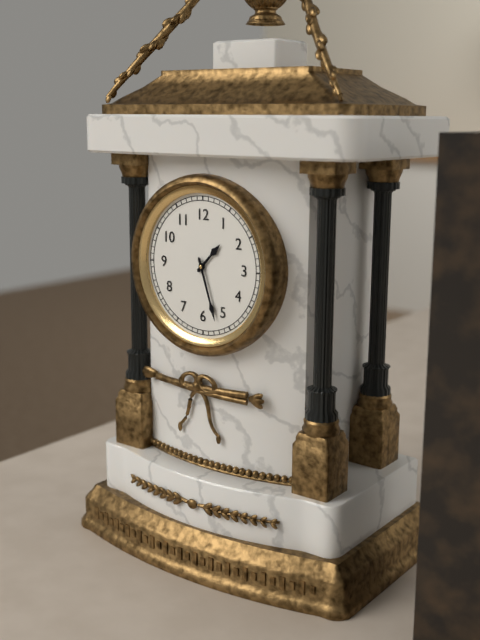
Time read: **1:27**
